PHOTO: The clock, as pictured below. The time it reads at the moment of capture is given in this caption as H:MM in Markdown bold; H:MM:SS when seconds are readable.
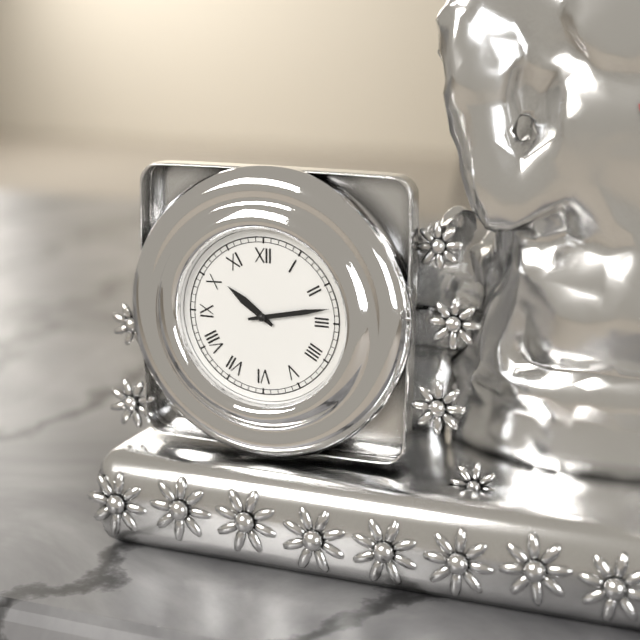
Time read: **10:13**
